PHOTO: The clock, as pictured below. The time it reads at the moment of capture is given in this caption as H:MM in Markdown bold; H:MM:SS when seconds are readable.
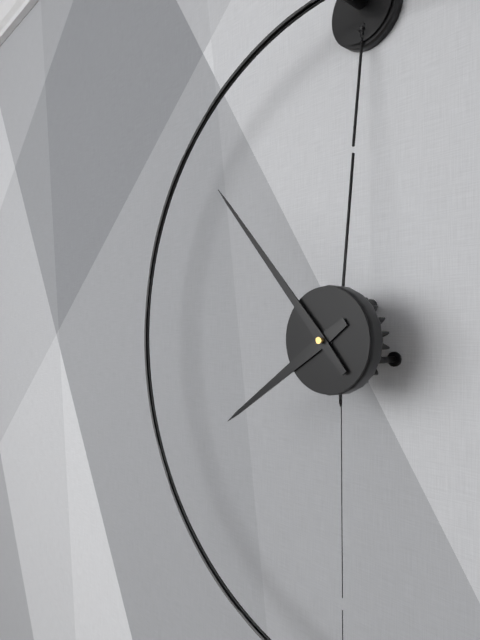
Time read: **7:53**
